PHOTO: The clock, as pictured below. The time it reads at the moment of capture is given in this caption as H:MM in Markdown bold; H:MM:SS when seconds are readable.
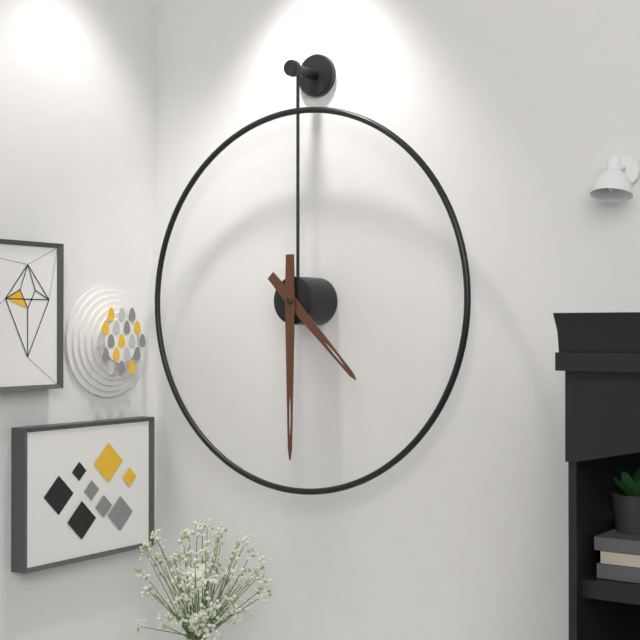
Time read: **4:30**
